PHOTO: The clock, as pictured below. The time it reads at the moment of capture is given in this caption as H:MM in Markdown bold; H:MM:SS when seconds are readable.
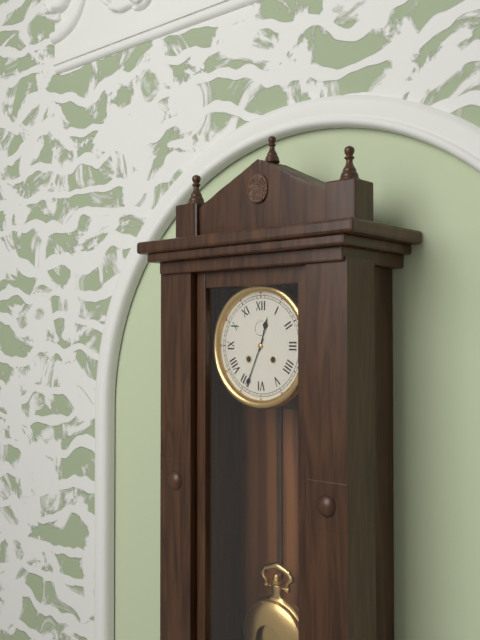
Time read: **12:34**
